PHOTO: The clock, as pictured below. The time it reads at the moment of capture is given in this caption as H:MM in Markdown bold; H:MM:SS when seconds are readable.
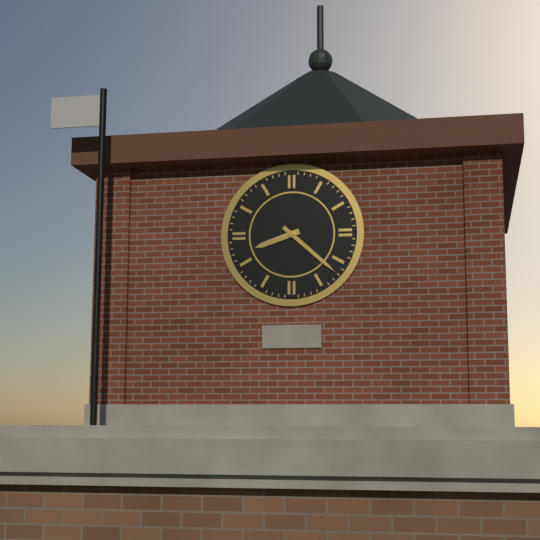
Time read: **8:22**
